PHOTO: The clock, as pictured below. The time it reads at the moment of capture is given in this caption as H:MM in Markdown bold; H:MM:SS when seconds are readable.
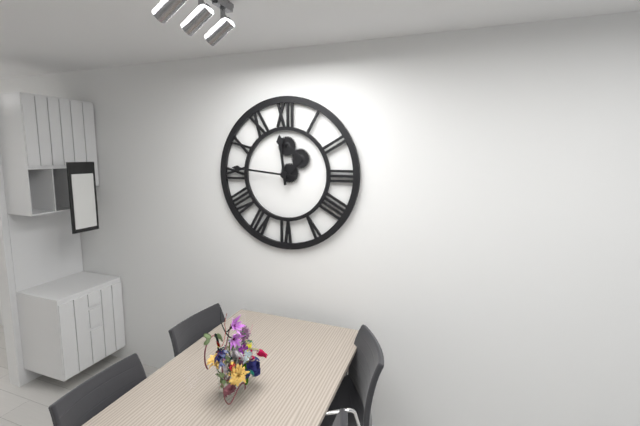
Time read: **11:46**
